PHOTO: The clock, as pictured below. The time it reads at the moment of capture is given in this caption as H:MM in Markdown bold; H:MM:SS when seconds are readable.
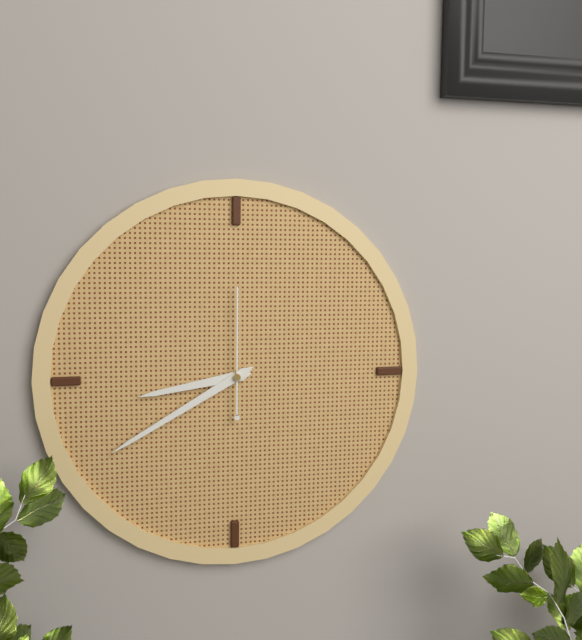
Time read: **8:40:00**
